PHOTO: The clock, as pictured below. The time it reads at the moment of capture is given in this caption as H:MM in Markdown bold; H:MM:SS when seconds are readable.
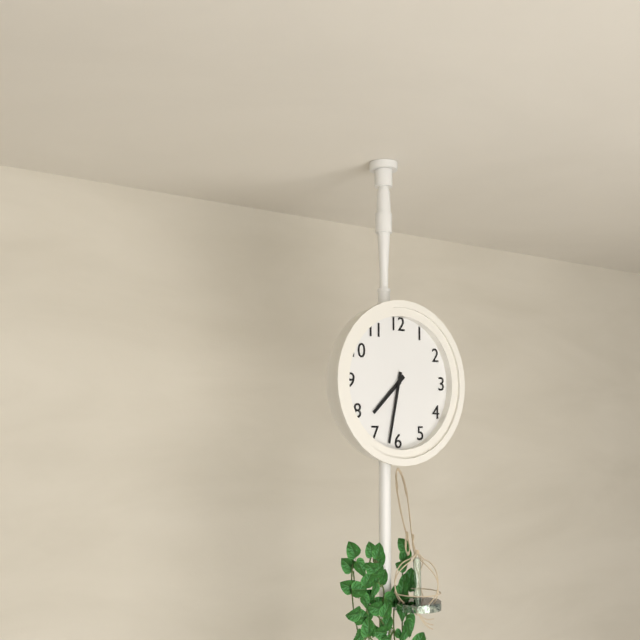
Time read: **7:32**
